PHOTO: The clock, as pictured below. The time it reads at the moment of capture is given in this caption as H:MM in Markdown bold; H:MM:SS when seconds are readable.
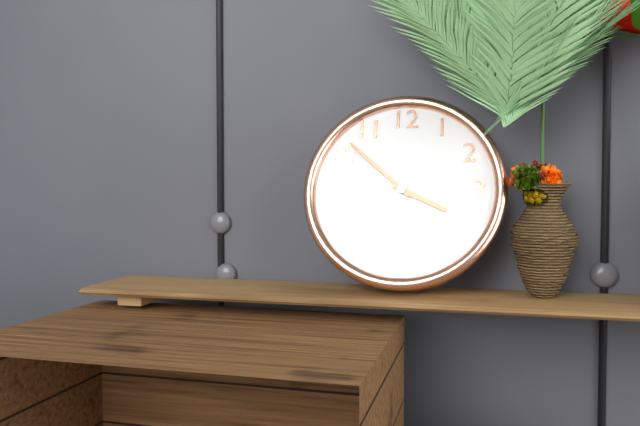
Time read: **3:52**
